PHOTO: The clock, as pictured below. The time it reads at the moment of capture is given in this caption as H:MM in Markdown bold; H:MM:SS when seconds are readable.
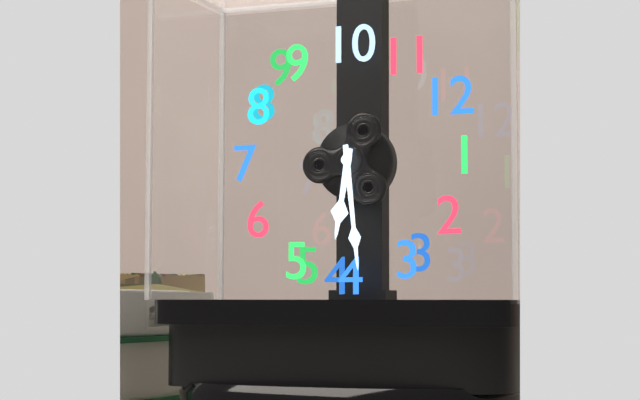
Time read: **4:19**
